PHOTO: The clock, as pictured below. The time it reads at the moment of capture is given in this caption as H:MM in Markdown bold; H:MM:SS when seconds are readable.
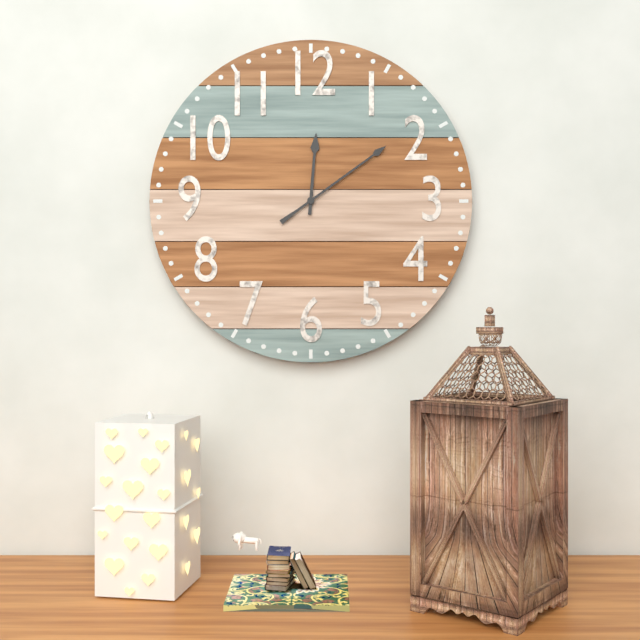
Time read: **12:09**
